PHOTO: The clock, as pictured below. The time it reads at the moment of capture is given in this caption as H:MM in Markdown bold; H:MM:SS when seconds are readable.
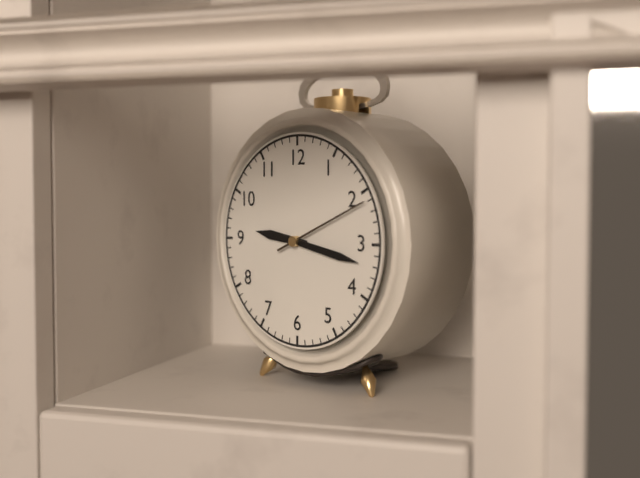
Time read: **9:17:11**
